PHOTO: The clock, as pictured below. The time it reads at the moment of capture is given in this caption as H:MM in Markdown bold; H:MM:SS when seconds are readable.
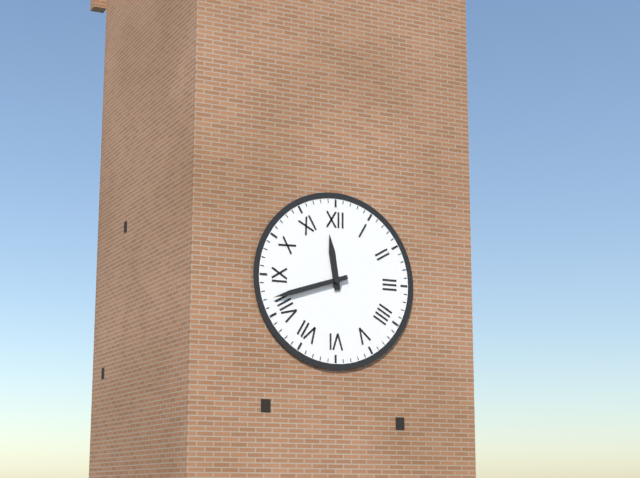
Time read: **11:42**
